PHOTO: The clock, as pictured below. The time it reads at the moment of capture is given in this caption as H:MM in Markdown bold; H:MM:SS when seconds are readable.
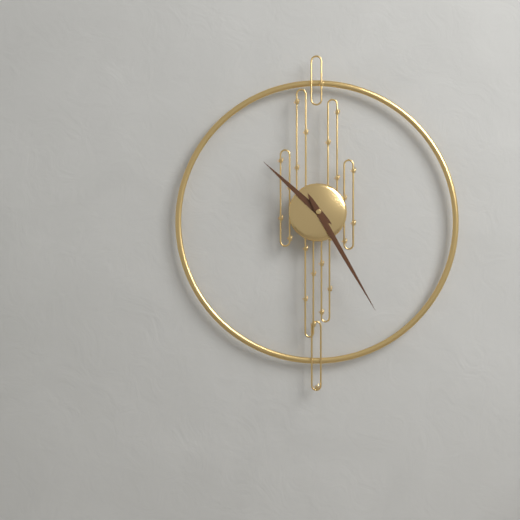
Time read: **10:25**
